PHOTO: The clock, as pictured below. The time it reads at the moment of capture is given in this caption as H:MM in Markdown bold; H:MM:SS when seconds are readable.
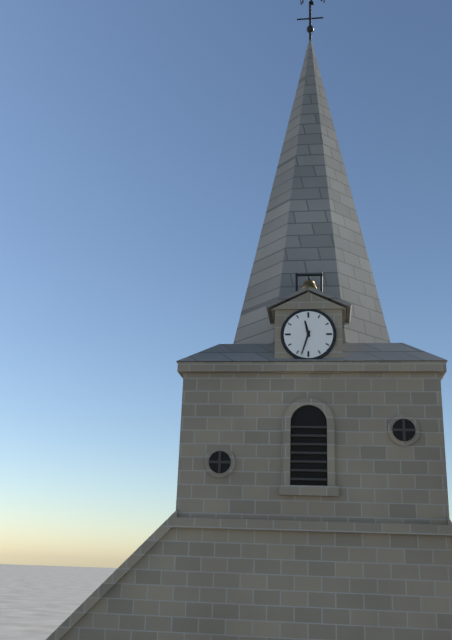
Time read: **11:33**
